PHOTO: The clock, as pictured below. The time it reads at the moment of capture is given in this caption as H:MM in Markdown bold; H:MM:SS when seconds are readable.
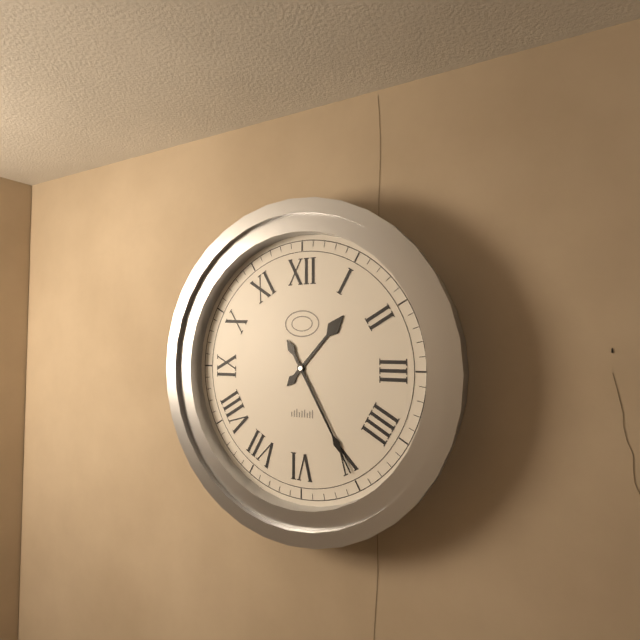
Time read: **1:25**
